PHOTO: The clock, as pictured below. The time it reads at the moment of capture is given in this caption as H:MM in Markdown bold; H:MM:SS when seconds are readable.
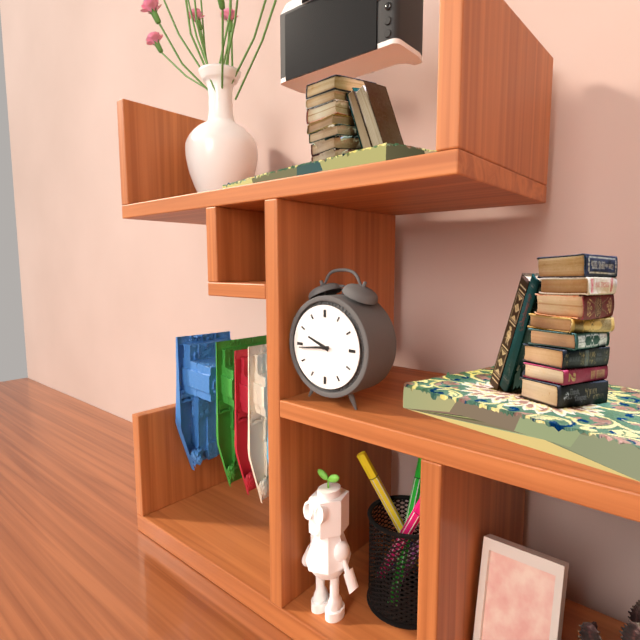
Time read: **9:44**
